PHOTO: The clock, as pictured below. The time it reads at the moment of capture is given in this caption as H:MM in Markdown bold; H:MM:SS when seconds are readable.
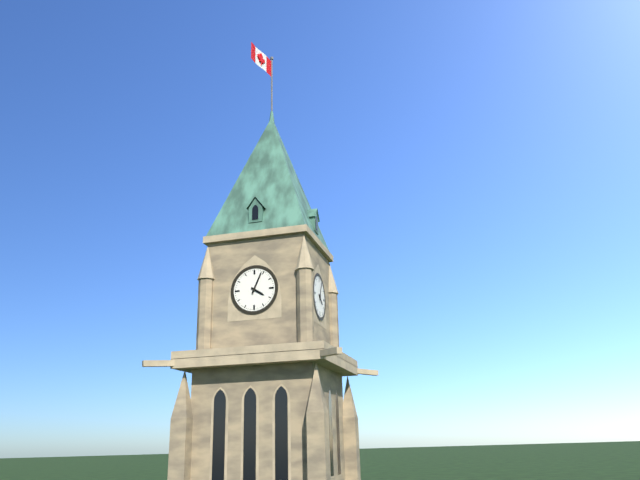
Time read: **4:04**
